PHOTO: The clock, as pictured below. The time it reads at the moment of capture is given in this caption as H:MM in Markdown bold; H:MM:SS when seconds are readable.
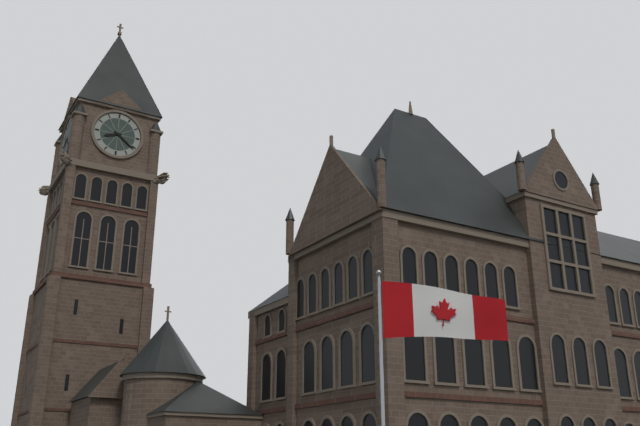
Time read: **8:21**
